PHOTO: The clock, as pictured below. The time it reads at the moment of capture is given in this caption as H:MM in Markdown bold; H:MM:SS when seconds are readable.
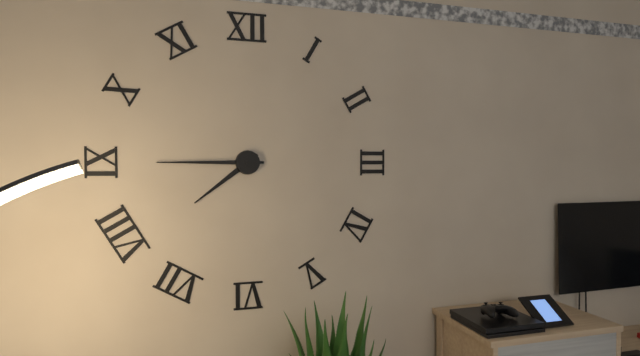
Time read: **7:45**
